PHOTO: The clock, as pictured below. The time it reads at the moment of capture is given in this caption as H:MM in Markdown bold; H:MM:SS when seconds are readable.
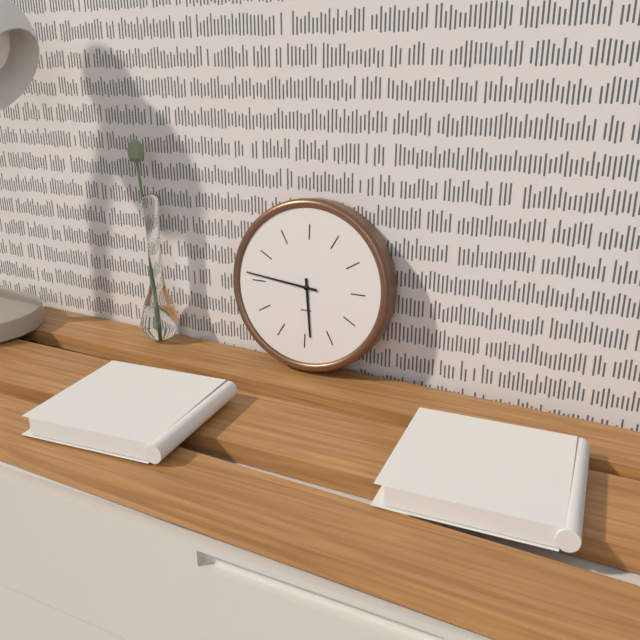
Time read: **5:46**
